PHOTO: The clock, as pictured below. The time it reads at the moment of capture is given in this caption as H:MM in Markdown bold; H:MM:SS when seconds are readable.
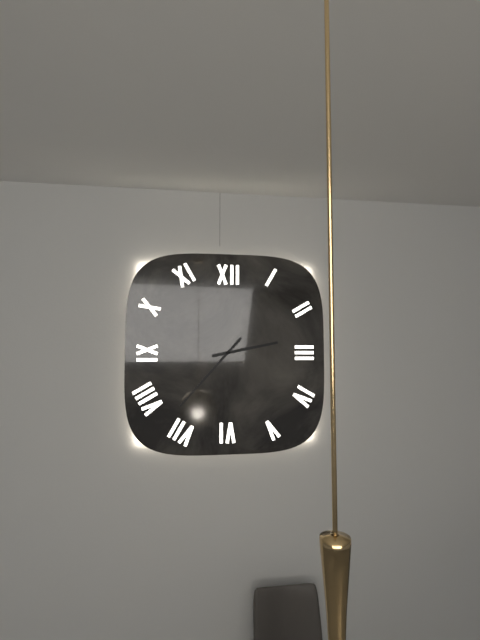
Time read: **2:37**
